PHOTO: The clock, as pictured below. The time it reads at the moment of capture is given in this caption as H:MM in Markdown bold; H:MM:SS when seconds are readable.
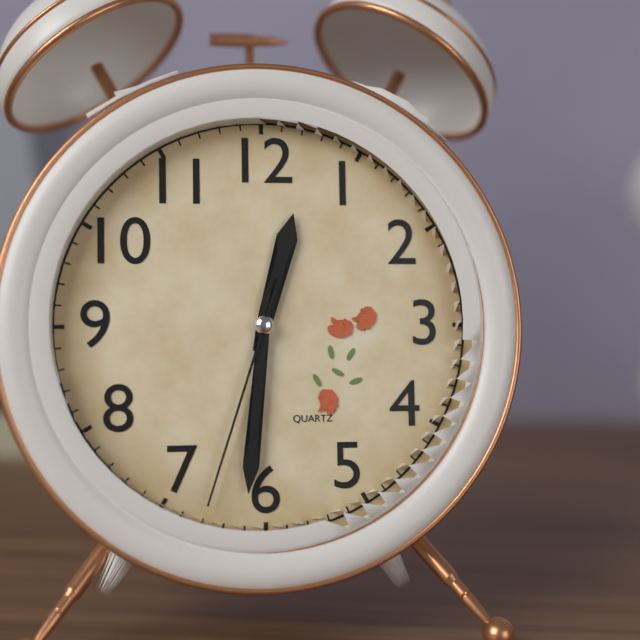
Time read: **12:31:33**
